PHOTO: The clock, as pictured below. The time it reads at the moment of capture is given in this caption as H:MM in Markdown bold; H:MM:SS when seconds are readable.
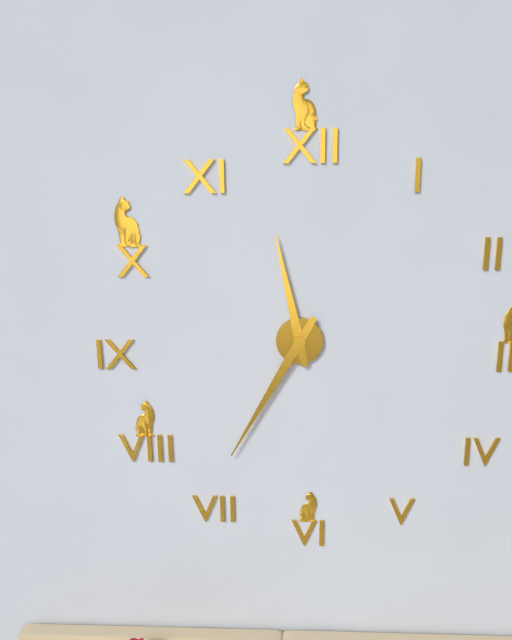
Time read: **11:35**
